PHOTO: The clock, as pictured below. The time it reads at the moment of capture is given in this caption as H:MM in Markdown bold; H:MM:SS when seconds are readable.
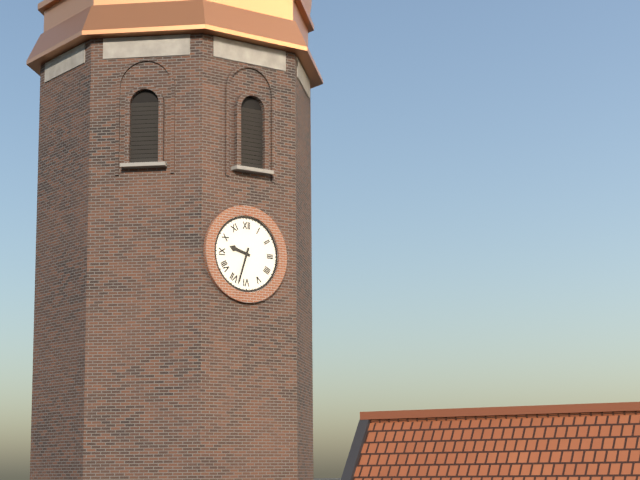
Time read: **9:33**
